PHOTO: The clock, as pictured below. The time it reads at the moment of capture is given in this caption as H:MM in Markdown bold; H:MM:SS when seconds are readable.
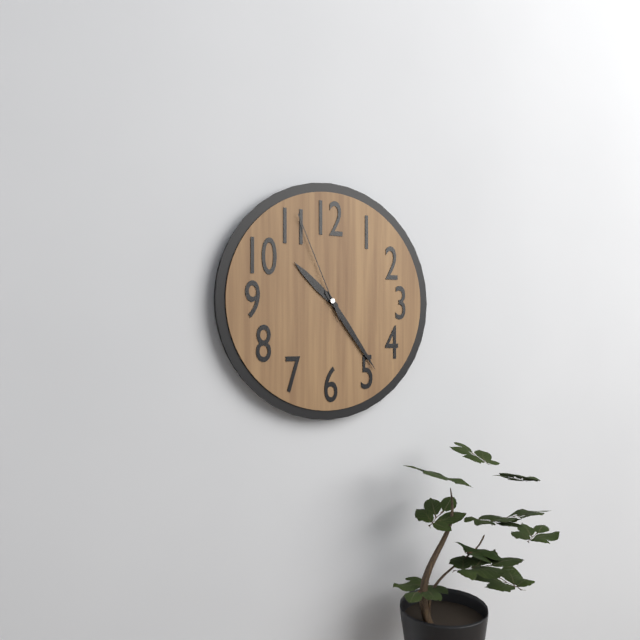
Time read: **10:24:56**
